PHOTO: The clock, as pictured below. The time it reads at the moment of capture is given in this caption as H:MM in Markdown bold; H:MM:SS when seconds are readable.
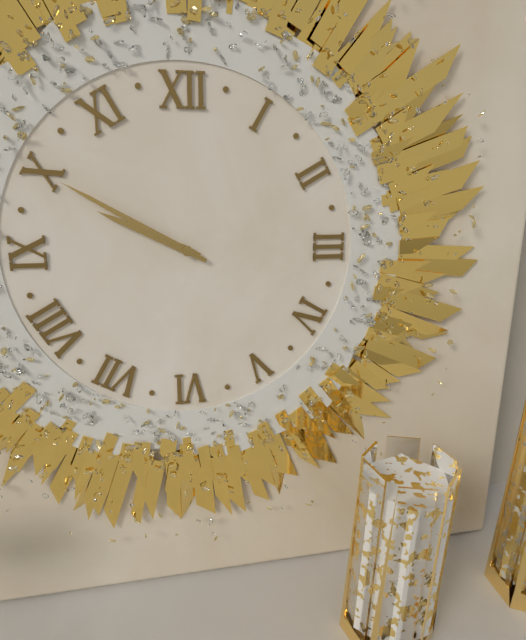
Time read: **9:50**
